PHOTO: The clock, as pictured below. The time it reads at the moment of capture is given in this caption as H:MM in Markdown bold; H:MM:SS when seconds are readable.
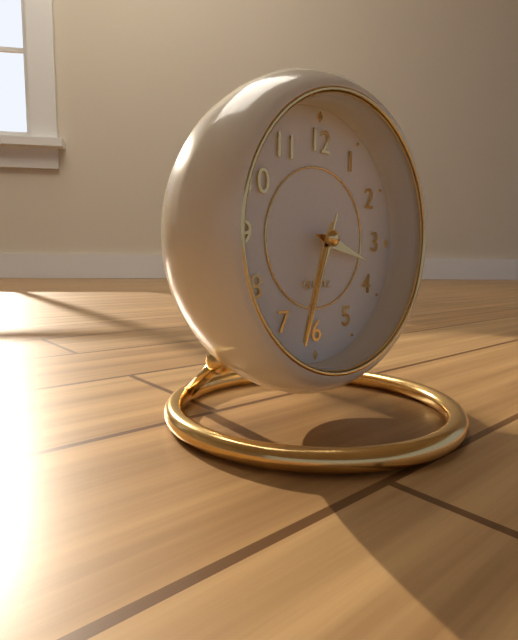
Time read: **3:33:33**
